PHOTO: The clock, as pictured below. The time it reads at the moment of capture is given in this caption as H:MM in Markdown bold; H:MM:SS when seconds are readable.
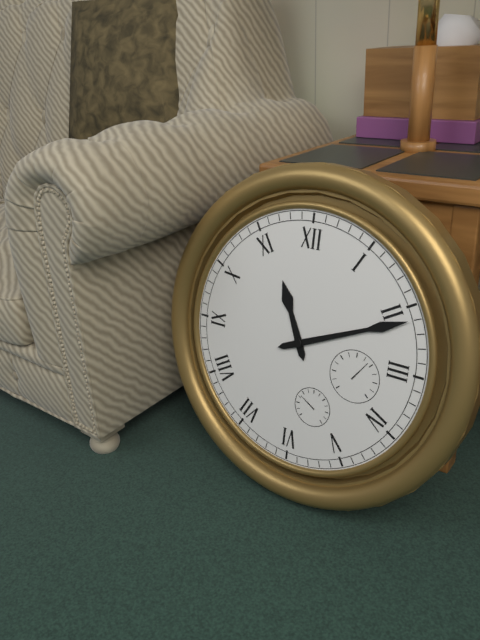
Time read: **11:11**
